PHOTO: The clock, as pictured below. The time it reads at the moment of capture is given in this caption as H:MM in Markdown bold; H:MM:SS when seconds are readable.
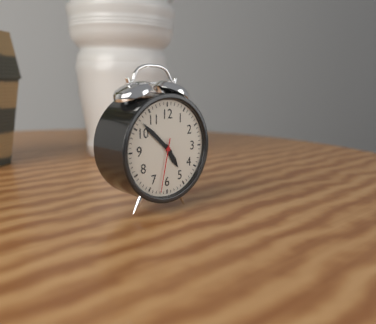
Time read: **4:52:32**
